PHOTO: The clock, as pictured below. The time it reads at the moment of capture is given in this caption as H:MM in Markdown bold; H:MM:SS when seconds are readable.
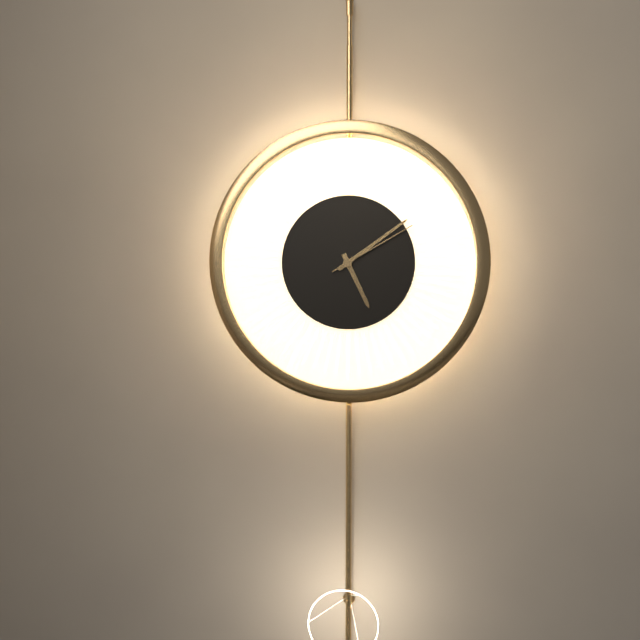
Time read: **5:09:10**
